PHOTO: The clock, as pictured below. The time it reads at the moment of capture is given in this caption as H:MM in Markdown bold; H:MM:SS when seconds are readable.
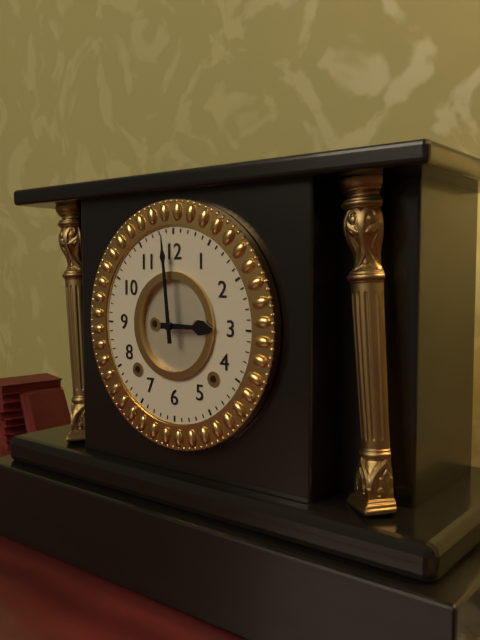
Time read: **2:59**
